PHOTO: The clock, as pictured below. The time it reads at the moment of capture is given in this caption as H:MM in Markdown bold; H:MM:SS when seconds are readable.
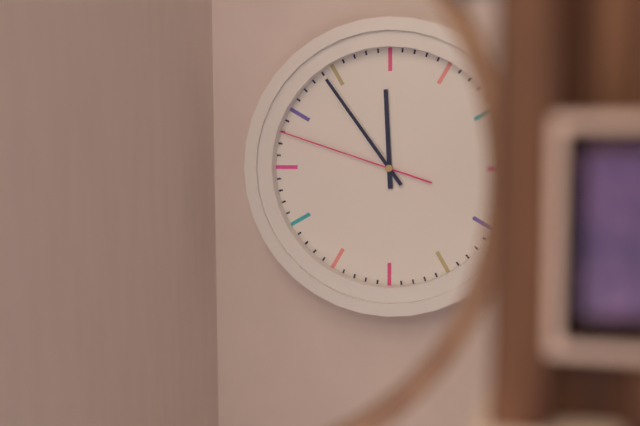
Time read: **11:54:48**
